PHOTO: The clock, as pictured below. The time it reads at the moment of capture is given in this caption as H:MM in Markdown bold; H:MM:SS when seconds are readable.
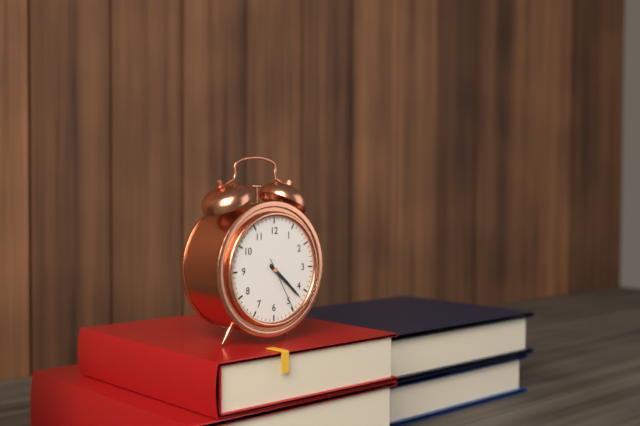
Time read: **4:22:25**
